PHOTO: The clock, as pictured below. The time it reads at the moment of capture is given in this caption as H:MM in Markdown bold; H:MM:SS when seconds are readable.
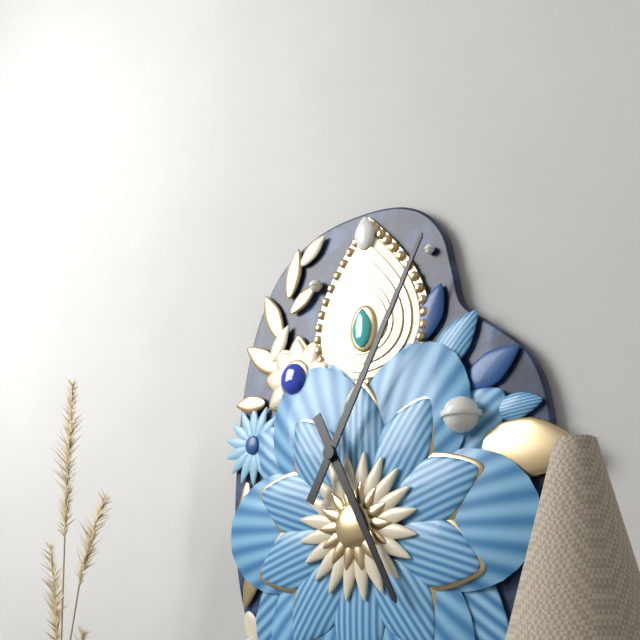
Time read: **5:05**
